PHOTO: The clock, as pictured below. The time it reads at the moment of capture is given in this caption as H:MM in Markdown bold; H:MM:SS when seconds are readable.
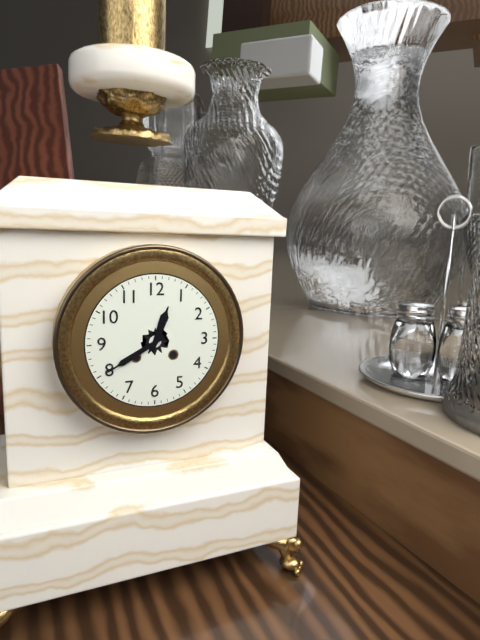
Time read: **12:40**
